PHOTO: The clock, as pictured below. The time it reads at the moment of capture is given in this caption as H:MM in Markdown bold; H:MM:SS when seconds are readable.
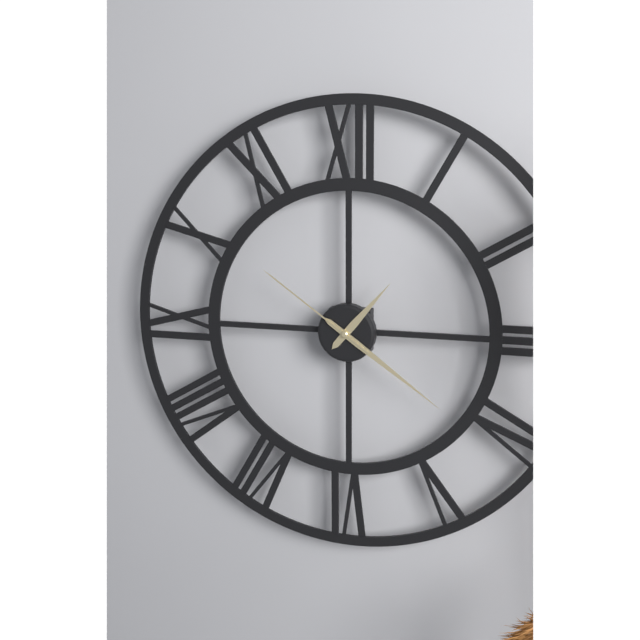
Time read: **1:21:51**
